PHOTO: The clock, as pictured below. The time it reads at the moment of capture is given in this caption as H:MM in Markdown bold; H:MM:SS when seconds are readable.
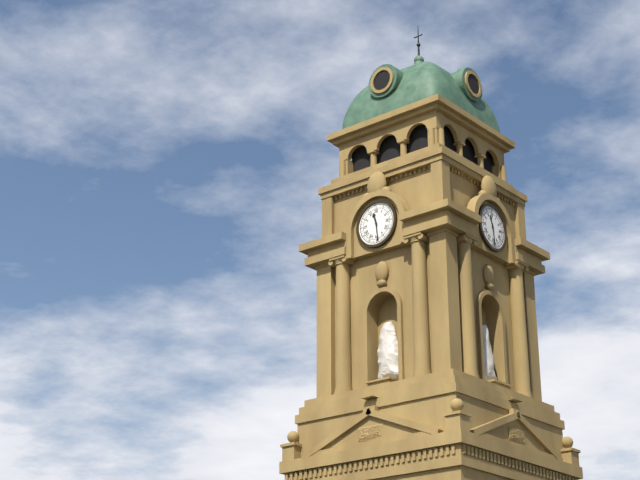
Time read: **11:29**
